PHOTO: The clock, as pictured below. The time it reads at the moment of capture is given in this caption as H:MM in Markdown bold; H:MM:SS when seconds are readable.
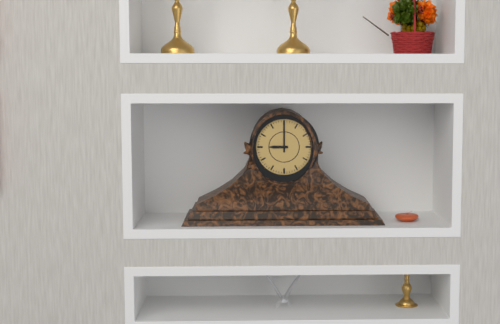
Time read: **9:00**
